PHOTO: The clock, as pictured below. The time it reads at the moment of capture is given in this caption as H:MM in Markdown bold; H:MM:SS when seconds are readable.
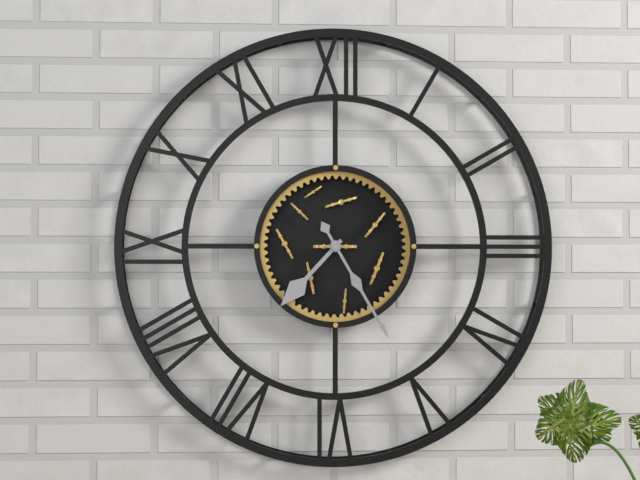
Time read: **7:25**
